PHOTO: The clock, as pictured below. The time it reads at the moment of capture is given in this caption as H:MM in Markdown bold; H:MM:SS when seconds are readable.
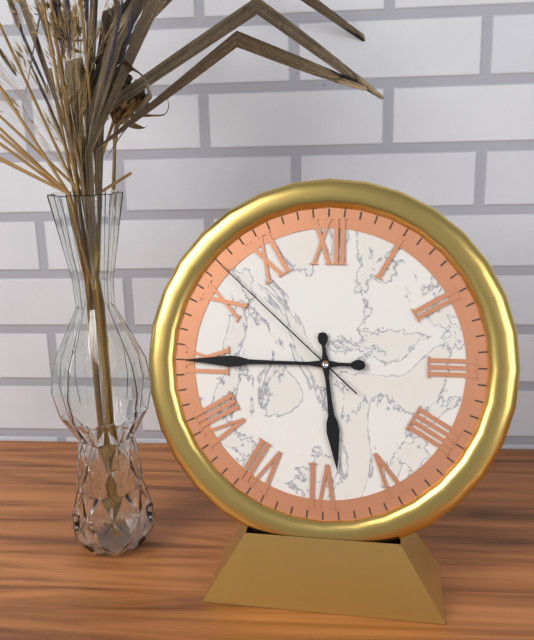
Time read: **5:45:52**
